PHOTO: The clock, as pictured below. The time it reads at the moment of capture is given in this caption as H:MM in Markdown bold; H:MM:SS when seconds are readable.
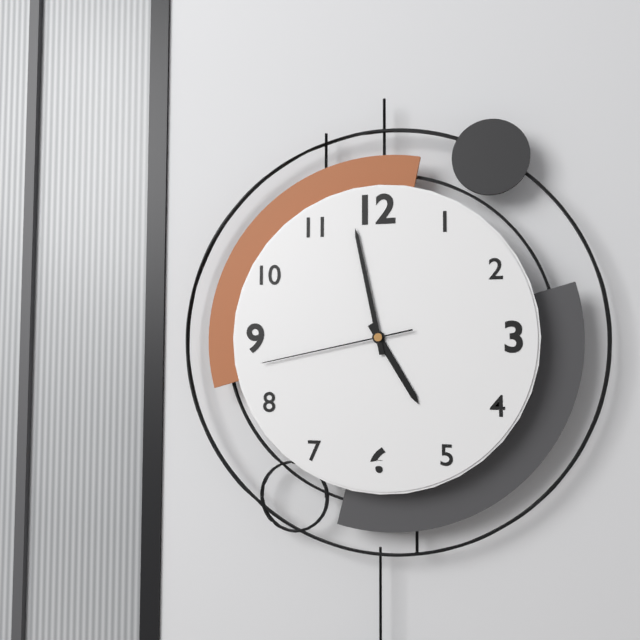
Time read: **4:58:43**
